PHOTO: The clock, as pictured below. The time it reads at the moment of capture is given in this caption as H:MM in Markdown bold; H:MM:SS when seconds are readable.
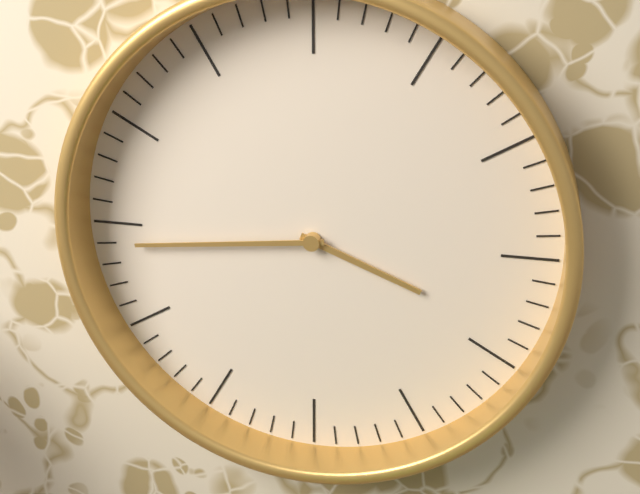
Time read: **3:44**
